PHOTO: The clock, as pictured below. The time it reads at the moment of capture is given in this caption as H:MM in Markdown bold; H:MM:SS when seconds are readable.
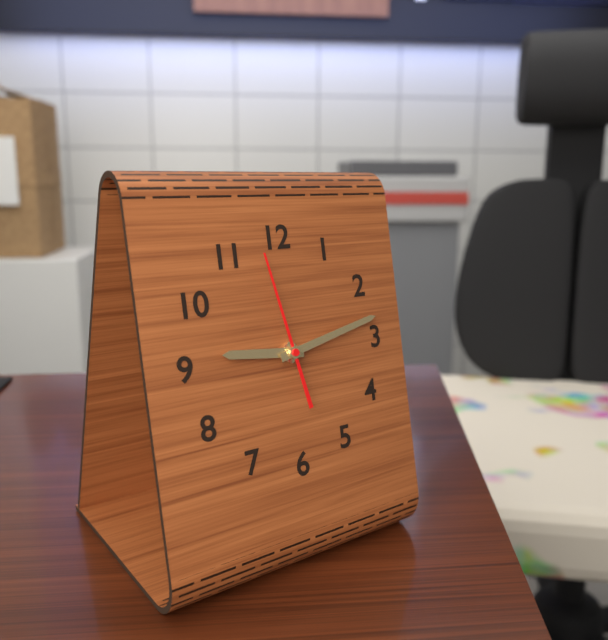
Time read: **9:13:58**
